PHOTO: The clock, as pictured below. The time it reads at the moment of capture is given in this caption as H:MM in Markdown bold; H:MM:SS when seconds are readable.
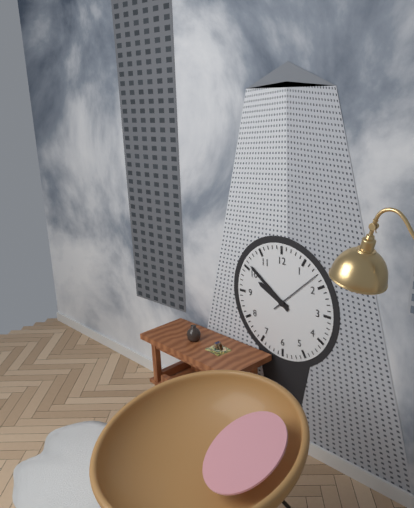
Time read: **9:51:08**
